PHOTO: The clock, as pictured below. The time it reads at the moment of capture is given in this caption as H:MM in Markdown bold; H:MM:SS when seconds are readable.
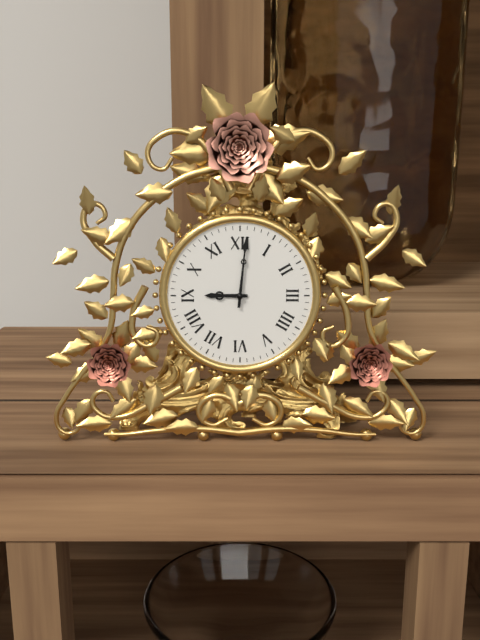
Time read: **9:01**
